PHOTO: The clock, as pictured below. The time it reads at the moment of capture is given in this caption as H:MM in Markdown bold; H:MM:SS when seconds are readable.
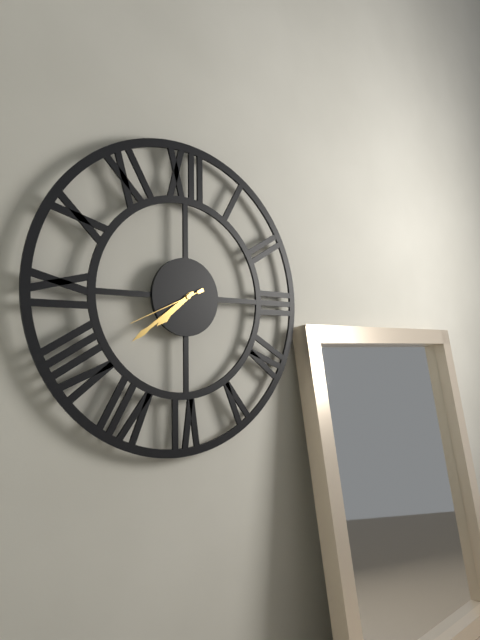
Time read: **7:39:41**
